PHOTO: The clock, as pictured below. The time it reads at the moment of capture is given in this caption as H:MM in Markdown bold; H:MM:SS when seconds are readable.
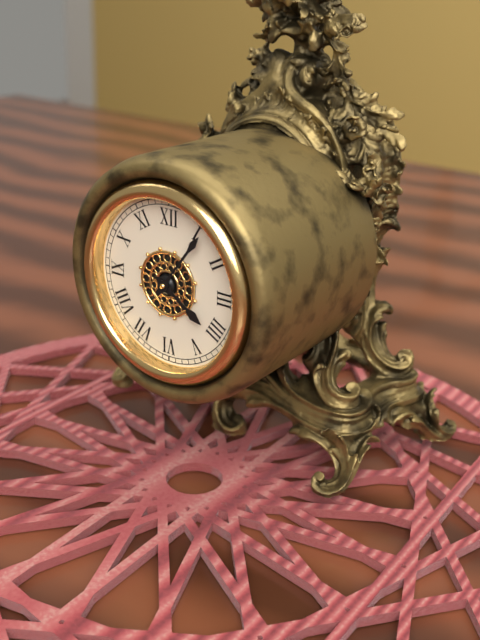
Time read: **4:06**
